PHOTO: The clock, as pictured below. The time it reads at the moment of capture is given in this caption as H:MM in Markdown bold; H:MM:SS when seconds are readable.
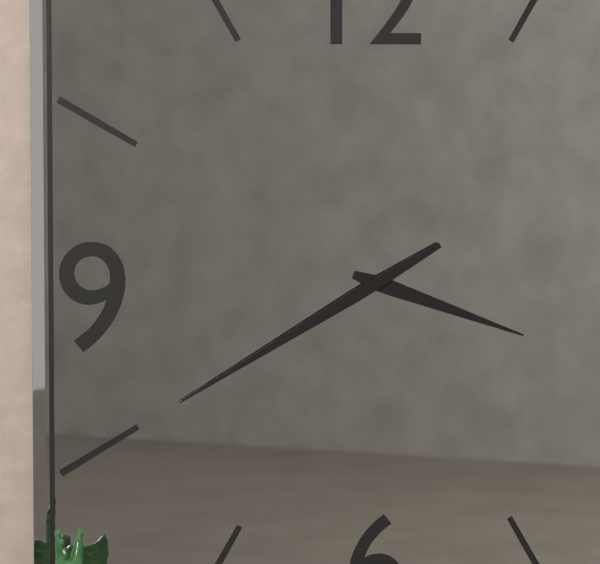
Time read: **3:40**
